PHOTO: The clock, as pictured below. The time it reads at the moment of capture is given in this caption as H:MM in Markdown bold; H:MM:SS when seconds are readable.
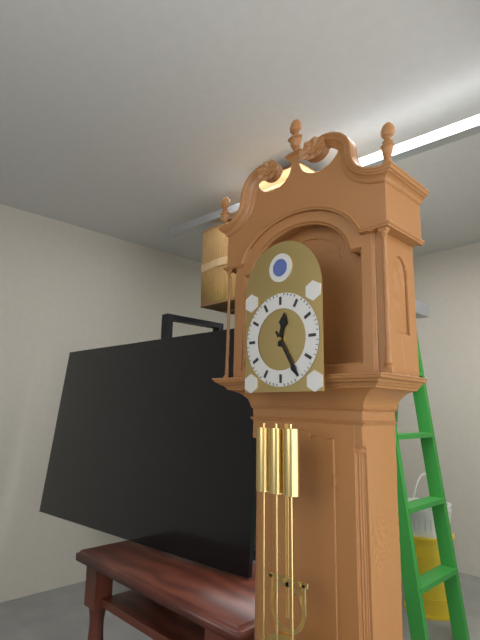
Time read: **12:25**
